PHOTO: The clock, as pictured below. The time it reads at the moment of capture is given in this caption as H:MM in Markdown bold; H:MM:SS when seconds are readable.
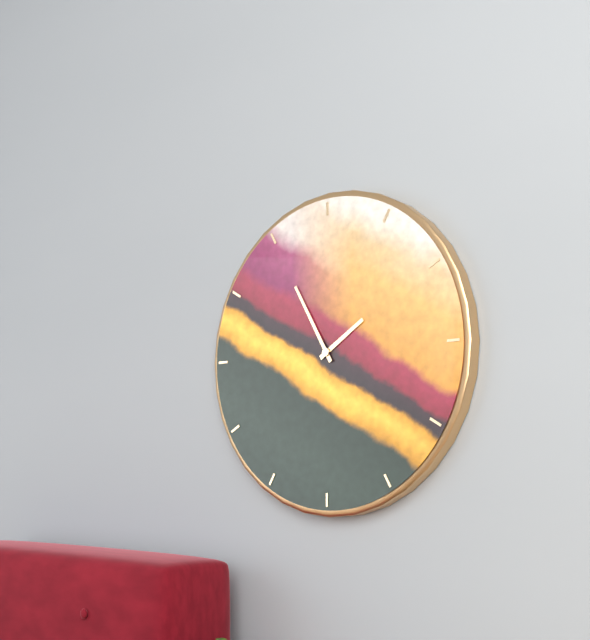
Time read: **1:55**
